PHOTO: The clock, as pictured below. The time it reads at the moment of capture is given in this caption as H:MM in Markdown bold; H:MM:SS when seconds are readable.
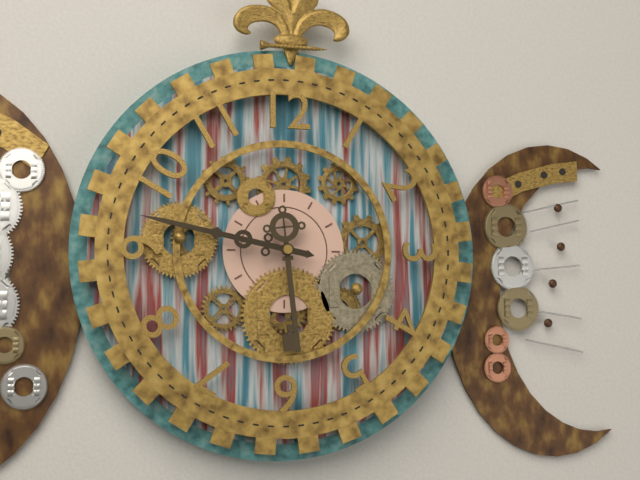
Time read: **5:47**
